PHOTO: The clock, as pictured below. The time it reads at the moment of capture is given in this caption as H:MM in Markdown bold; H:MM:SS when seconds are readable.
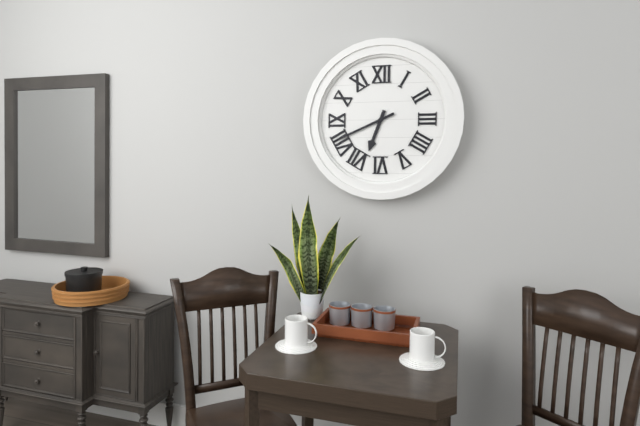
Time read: **6:41**
